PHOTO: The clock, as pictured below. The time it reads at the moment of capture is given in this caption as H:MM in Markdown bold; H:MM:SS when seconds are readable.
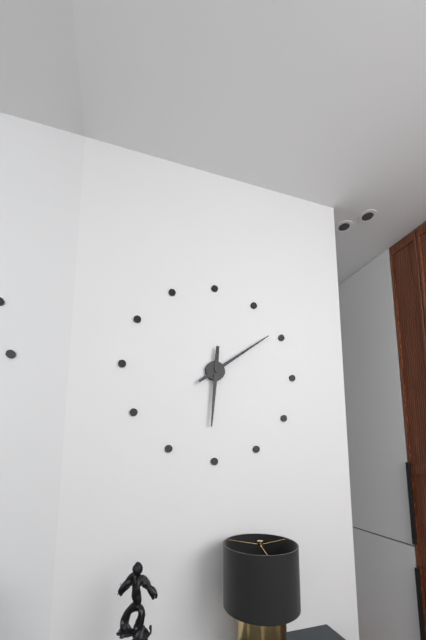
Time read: **6:09**
